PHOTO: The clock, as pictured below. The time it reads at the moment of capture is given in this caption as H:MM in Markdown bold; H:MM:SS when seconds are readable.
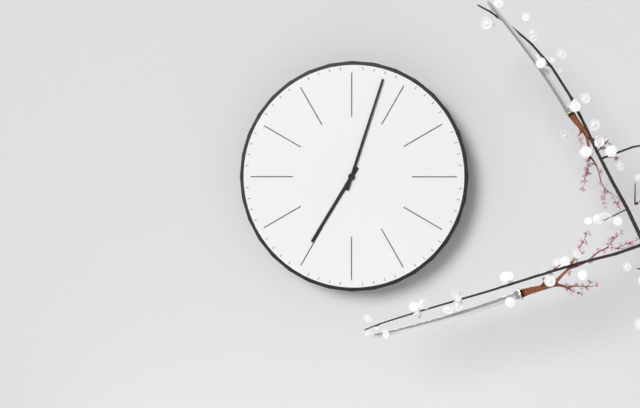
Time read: **7:03**
